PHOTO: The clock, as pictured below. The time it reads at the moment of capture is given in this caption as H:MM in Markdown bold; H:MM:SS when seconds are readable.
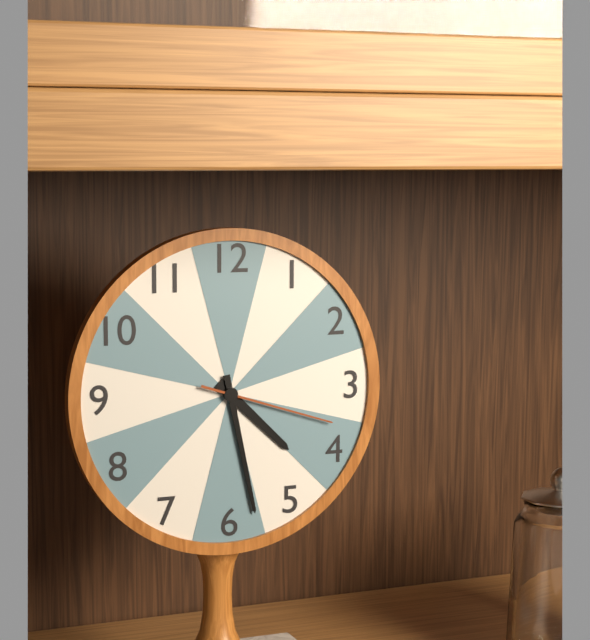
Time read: **4:28:18**
